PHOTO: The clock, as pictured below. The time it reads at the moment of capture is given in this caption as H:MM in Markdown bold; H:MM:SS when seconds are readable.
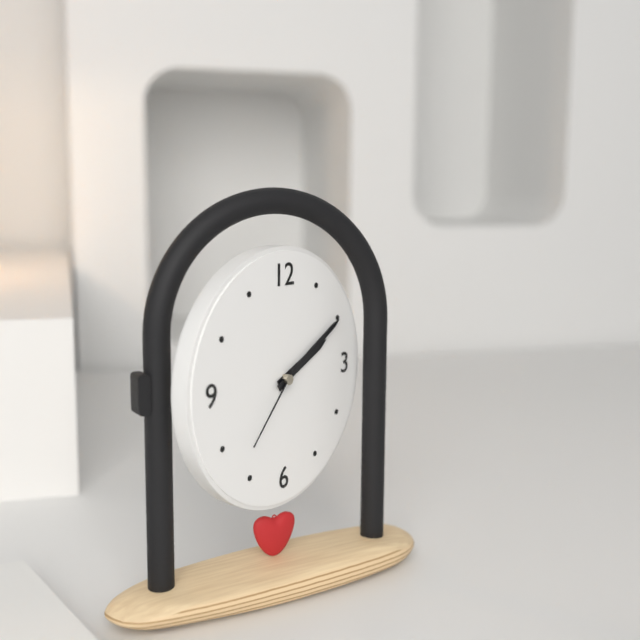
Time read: **2:10:37**
